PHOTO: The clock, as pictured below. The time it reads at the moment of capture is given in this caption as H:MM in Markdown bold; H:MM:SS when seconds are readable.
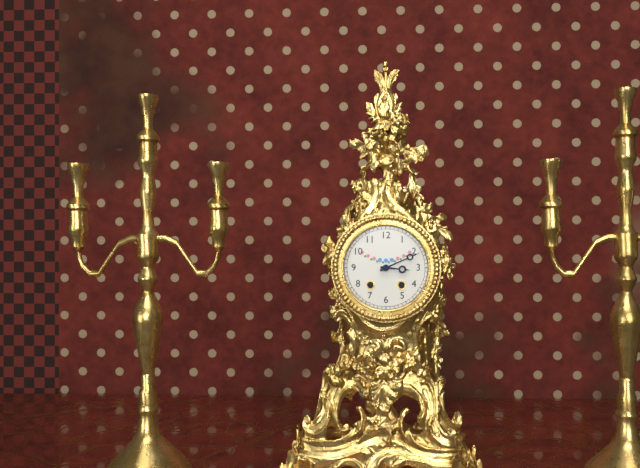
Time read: **3:11**
